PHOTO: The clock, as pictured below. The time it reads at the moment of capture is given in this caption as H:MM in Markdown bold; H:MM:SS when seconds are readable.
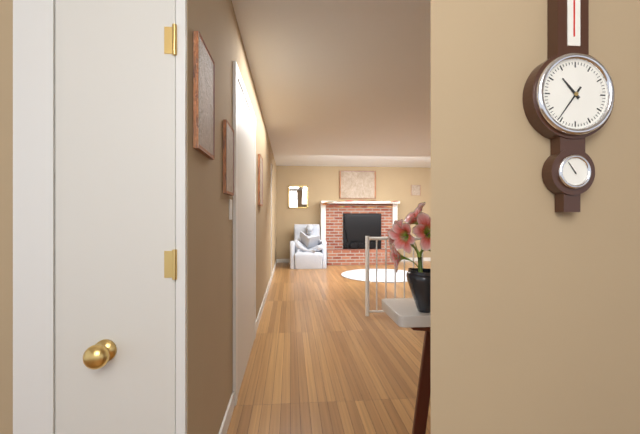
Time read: **10:36**
